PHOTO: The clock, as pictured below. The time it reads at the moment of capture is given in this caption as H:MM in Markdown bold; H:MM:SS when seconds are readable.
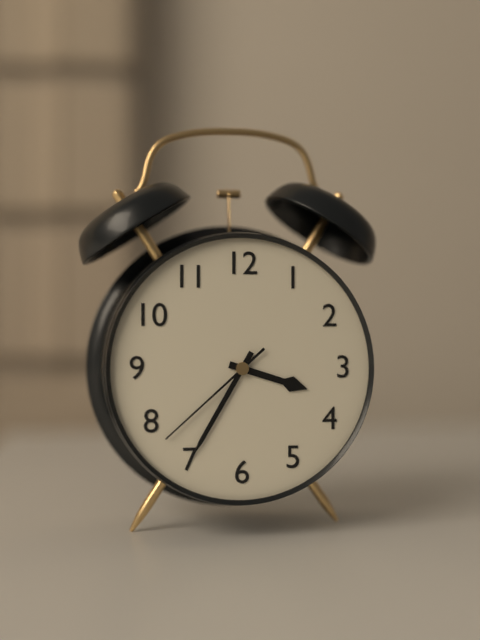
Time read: **3:35:38**
